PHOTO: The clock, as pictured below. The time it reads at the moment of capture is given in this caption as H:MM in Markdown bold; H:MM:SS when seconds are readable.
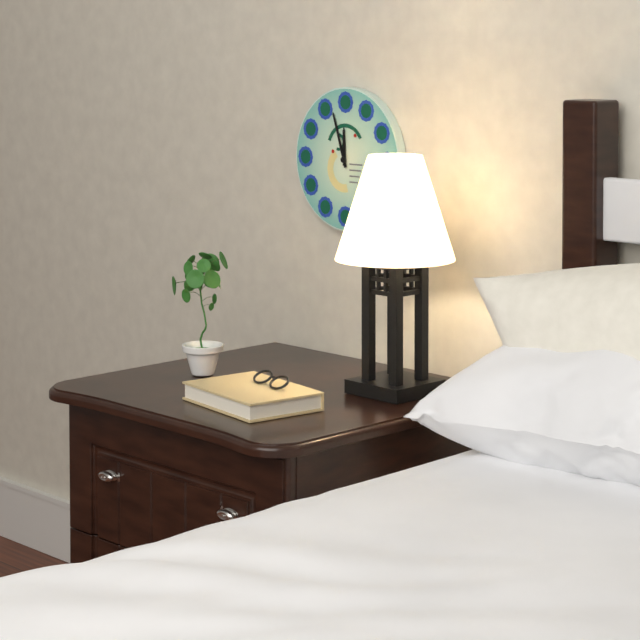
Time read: **11:57**
